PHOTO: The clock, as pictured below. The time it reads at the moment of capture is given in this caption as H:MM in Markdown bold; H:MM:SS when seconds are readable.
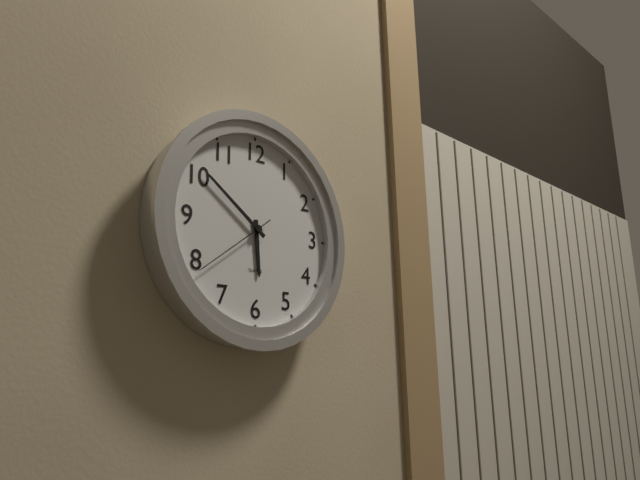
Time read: **5:51:39**
